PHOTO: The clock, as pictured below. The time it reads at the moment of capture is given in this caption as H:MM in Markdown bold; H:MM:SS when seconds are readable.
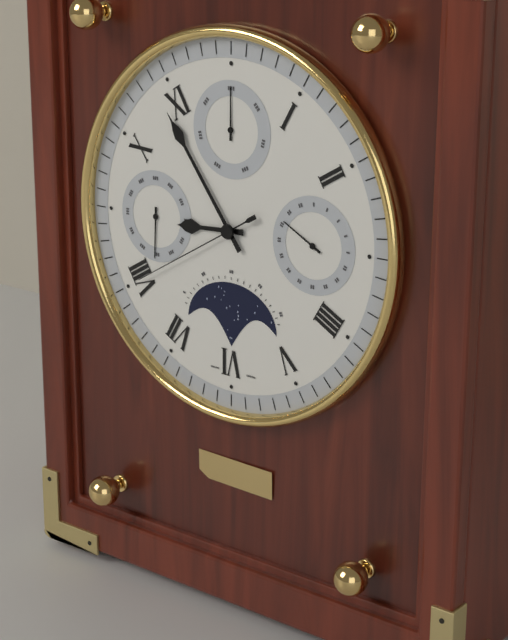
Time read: **8:54:40**
